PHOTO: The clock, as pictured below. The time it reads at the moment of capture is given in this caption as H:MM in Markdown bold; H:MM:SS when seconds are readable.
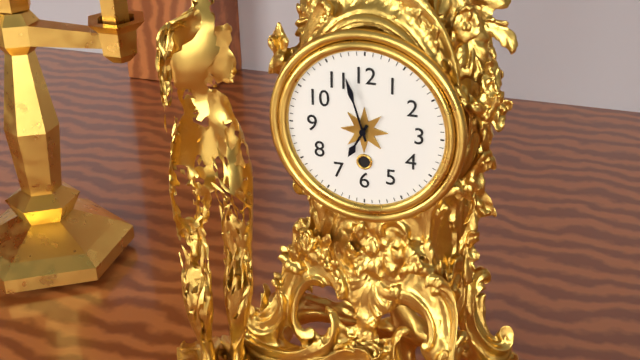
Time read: **6:57**
